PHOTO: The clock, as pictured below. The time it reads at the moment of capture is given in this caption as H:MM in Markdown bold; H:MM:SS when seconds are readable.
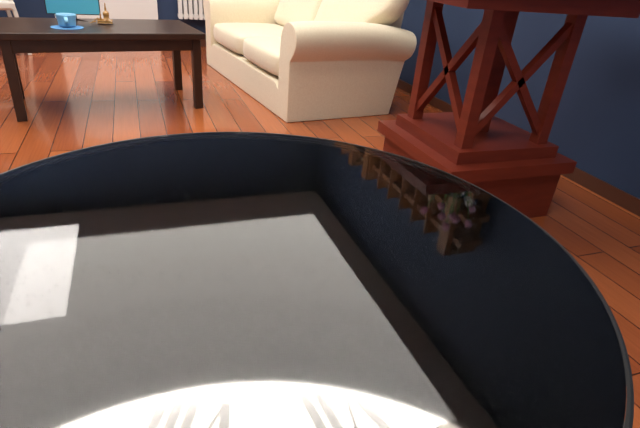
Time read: **3:19**
